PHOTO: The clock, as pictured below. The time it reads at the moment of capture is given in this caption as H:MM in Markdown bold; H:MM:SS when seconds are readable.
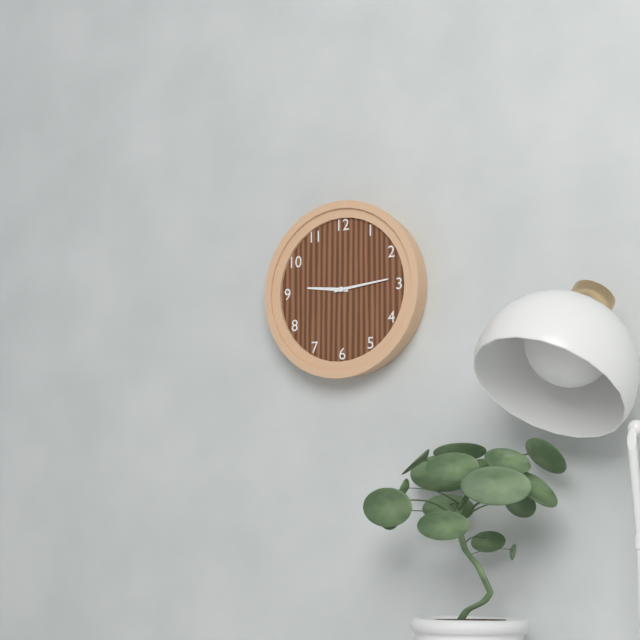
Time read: **9:14**
